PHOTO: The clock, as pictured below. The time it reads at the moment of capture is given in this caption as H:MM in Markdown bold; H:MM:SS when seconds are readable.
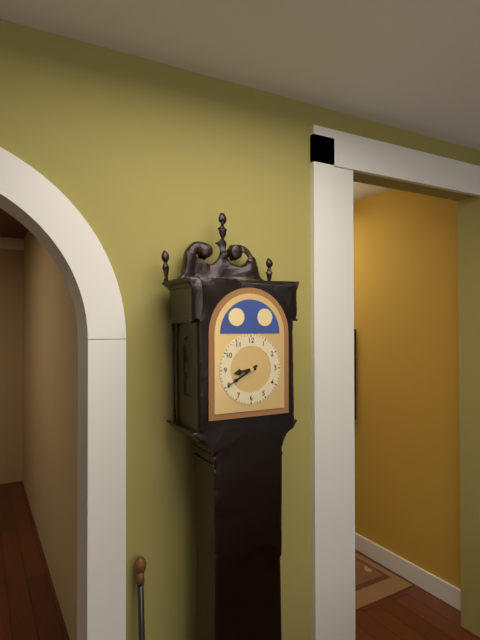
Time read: **8:40**
